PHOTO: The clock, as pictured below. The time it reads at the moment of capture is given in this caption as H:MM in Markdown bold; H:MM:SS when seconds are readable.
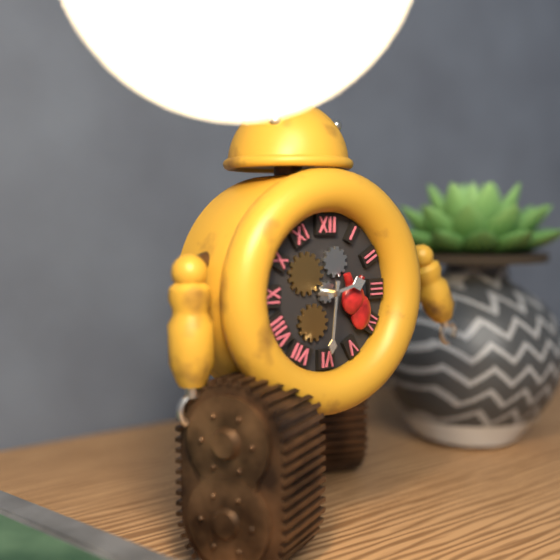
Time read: **2:31**
